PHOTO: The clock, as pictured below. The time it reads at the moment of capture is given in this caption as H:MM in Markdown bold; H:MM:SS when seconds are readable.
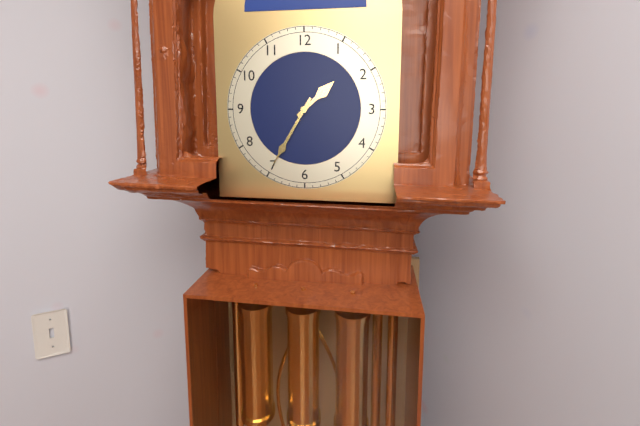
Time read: **1:35**
